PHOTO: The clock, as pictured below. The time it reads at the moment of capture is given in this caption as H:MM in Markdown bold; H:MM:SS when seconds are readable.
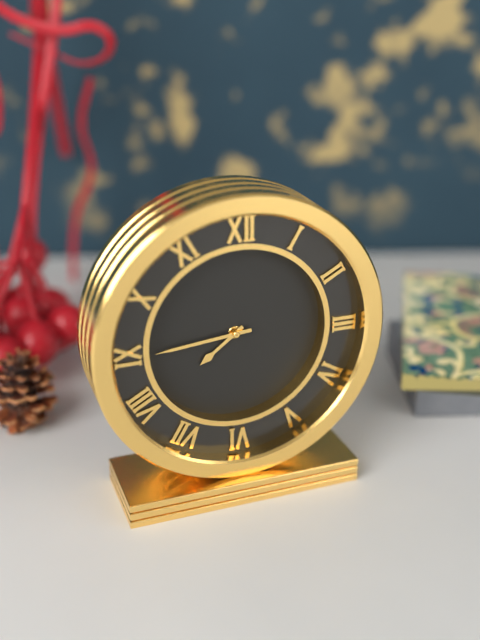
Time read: **7:44**
